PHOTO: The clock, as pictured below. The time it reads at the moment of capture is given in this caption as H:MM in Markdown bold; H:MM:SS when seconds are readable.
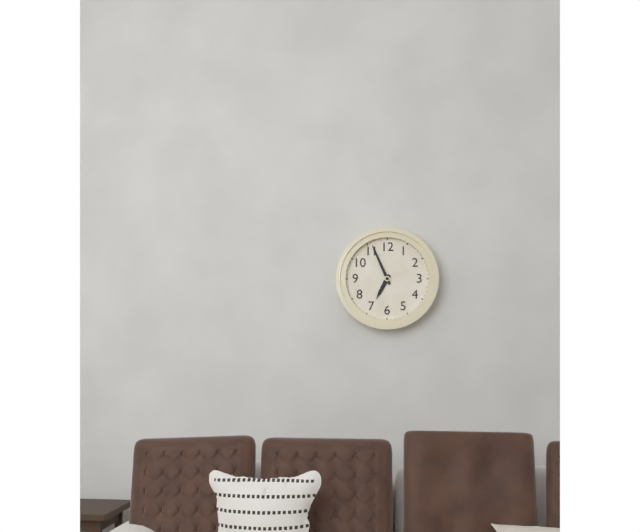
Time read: **6:56**
